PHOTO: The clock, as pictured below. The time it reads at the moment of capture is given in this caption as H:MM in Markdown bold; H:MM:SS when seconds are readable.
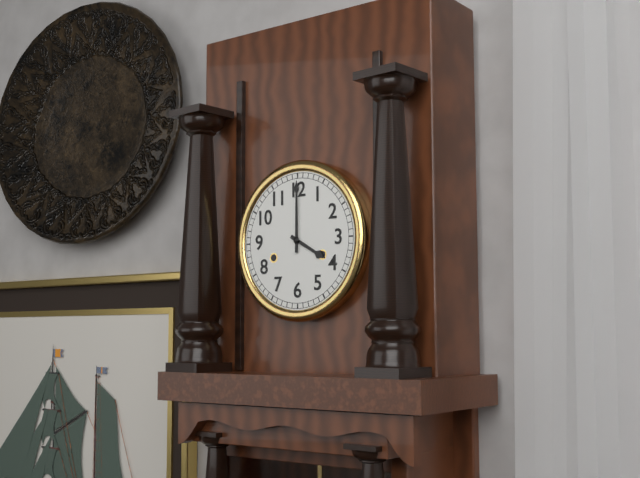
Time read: **4:00**
